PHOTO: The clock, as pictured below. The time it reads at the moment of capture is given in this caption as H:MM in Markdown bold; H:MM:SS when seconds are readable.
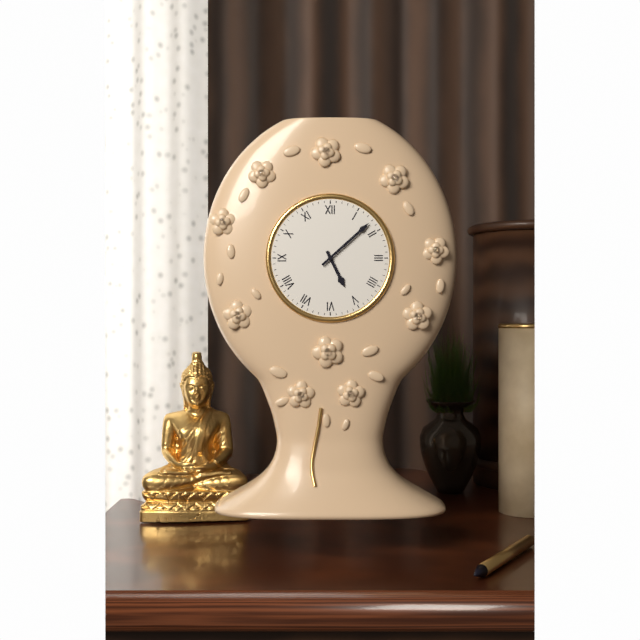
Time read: **5:08**
